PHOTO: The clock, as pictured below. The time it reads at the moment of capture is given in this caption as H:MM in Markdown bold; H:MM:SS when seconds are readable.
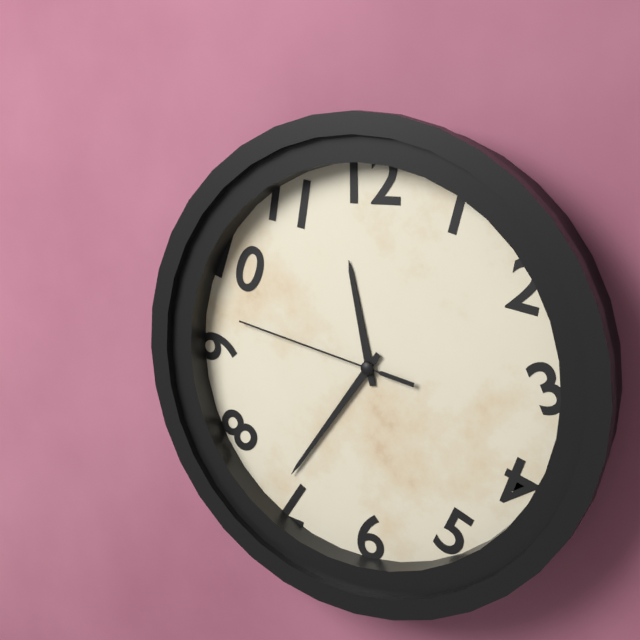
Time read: **11:36:47**
